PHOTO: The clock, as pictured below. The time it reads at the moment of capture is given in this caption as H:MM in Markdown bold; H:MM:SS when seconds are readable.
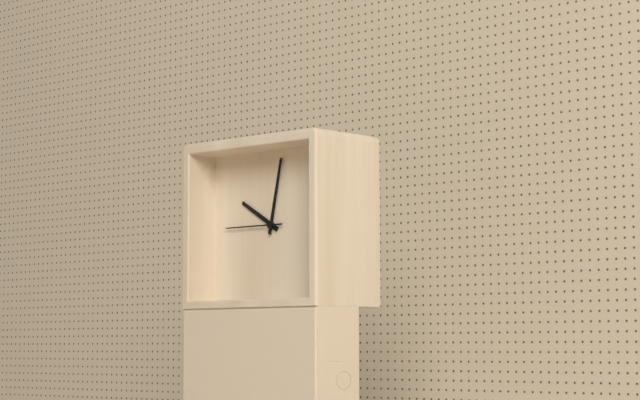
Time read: **10:02:45**
